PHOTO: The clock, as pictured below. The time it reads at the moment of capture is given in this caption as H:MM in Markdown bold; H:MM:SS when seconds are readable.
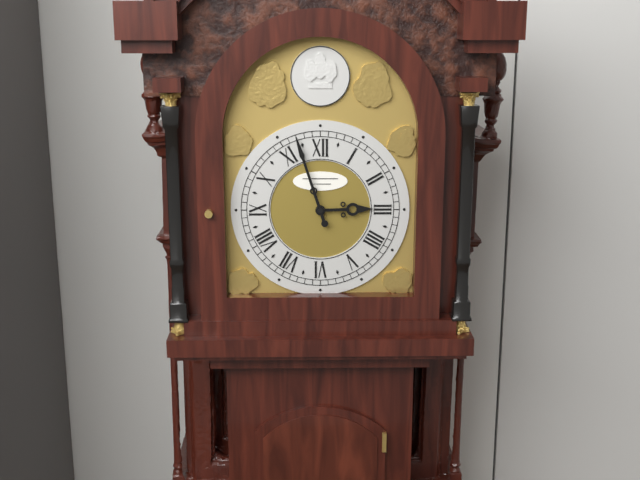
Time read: **2:57**
